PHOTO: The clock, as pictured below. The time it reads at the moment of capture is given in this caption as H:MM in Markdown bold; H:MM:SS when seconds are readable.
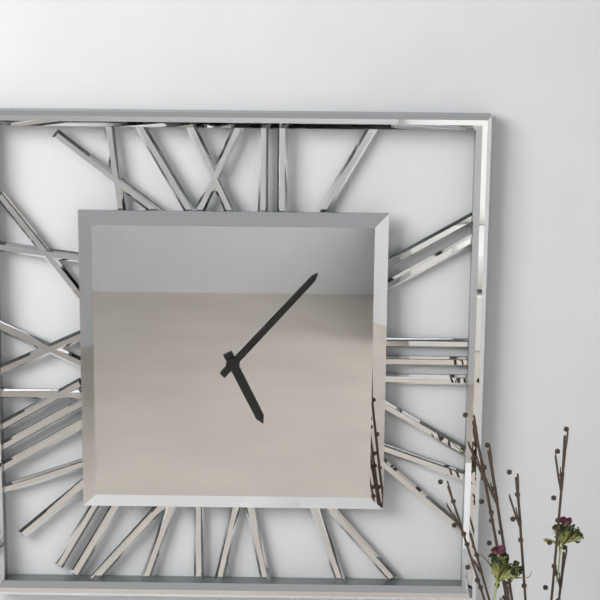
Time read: **5:07**
